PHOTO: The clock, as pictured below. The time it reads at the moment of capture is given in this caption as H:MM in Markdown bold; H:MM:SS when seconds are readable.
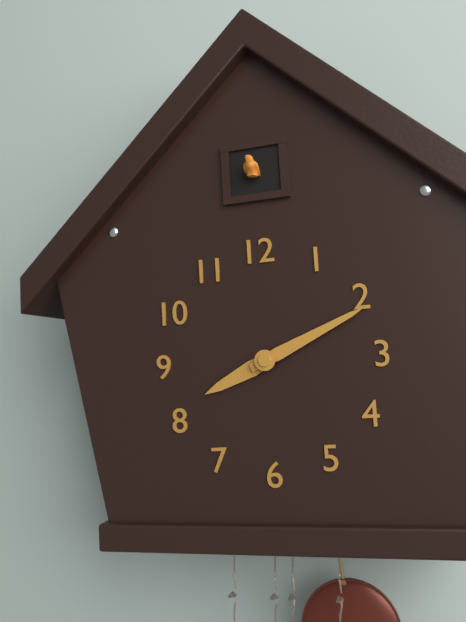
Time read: **8:11**
